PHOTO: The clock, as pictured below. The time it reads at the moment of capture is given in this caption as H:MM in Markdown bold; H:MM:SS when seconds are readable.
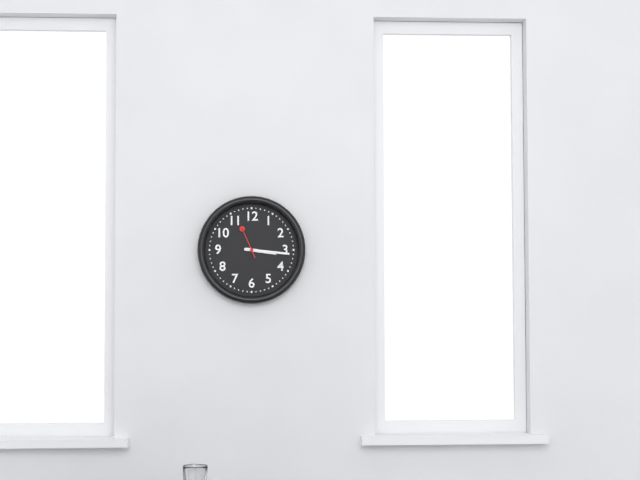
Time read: **3:16**
